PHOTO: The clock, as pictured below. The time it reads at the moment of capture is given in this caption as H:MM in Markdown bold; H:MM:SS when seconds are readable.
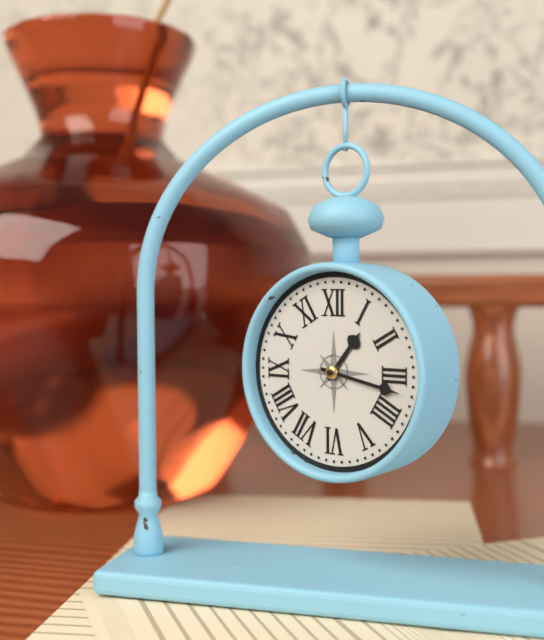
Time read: **1:17**
